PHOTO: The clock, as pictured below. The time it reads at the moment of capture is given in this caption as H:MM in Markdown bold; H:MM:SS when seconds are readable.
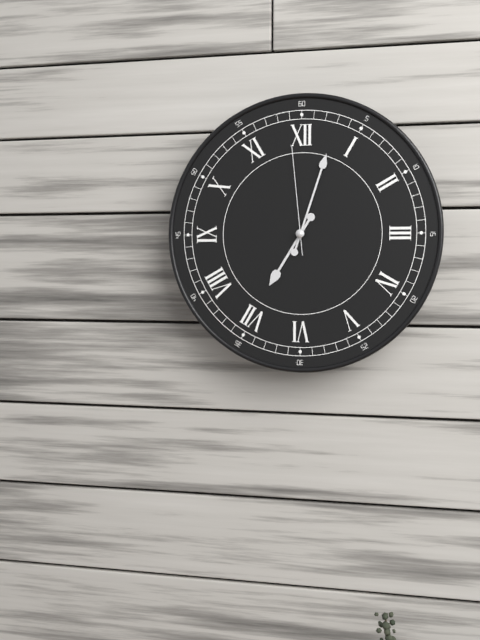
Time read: **7:03:59**
